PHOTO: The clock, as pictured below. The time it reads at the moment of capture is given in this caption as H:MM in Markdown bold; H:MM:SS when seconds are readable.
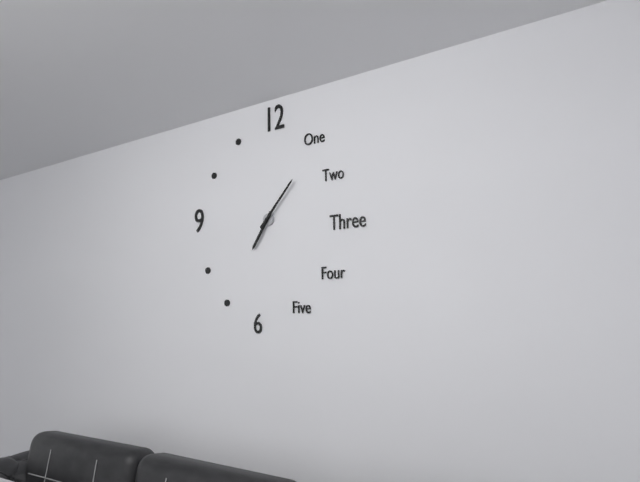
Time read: **7:07**
